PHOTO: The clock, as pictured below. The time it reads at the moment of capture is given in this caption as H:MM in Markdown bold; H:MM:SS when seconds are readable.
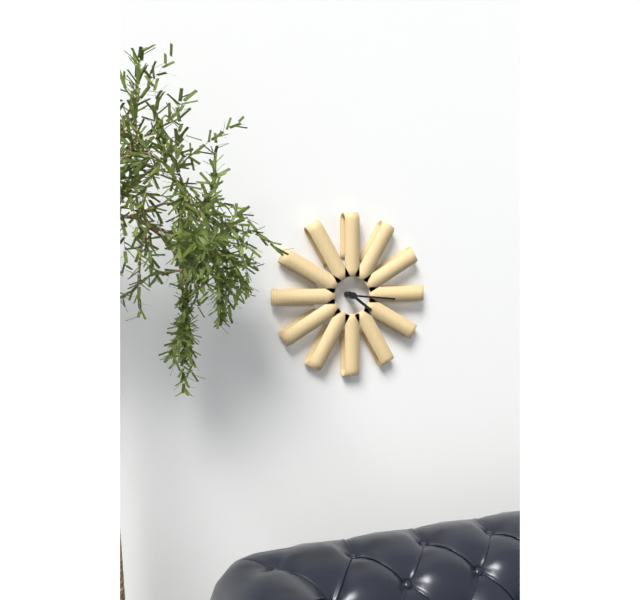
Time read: **4:16**
